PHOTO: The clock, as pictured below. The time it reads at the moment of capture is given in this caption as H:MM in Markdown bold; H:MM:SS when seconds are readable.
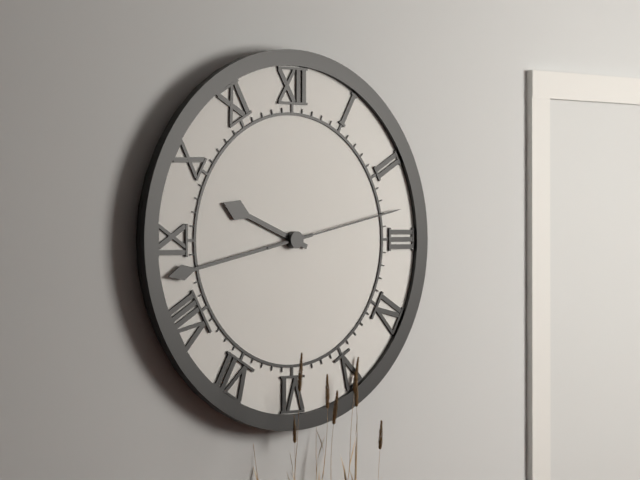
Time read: **9:43:13**
